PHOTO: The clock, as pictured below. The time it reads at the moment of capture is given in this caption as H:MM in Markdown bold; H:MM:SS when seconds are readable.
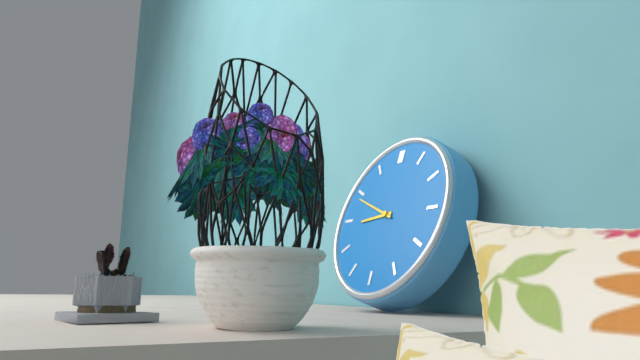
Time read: **8:49**
